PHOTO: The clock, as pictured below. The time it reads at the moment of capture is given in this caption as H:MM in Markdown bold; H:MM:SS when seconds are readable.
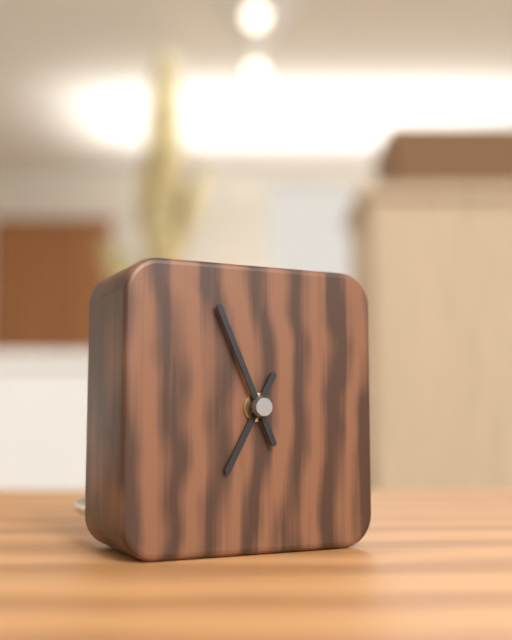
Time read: **6:56**
